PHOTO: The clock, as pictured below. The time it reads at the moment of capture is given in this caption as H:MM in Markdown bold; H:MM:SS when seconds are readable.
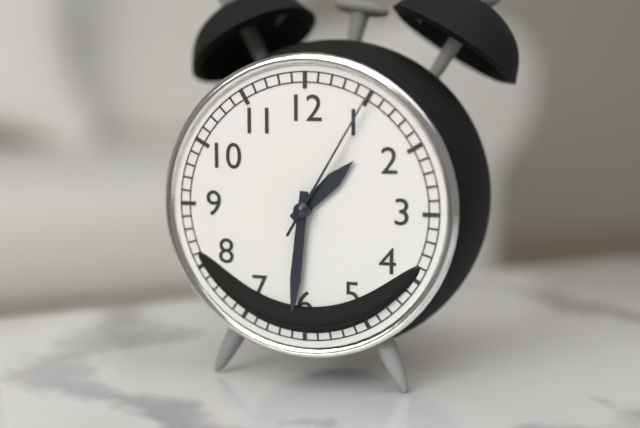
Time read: **1:31:05**
